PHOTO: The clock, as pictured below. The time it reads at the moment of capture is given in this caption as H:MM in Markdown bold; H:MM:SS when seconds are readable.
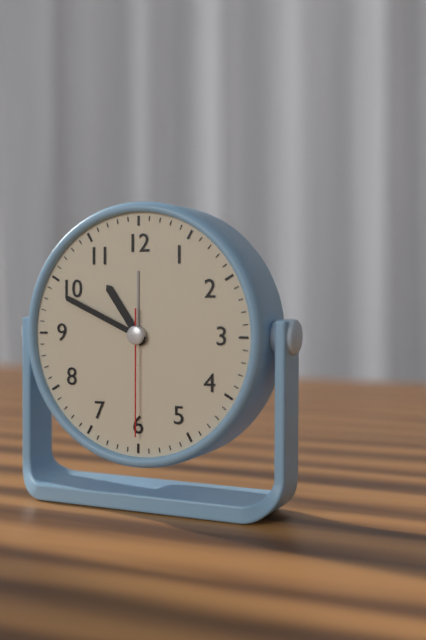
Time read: **10:49:30**
